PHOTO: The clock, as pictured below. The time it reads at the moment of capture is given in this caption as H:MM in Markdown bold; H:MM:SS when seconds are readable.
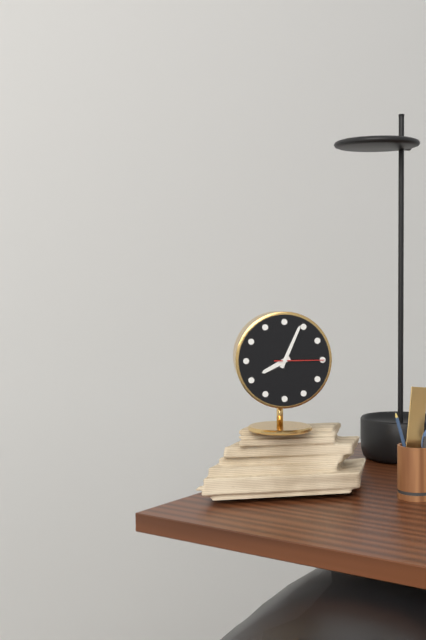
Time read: **8:04:15**
